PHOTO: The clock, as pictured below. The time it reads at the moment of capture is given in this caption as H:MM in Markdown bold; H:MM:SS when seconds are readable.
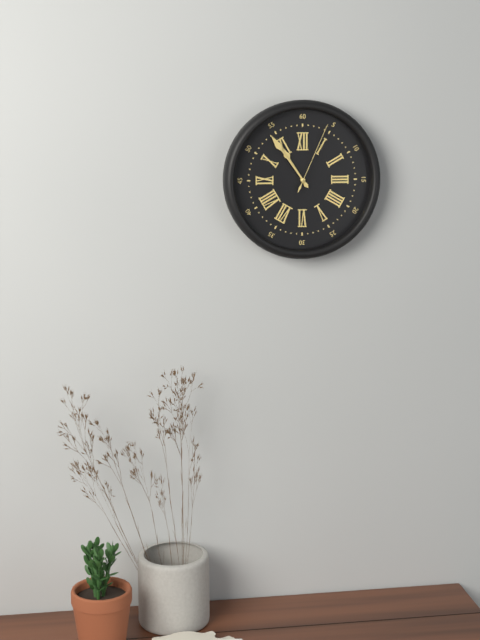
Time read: **10:54:04**
